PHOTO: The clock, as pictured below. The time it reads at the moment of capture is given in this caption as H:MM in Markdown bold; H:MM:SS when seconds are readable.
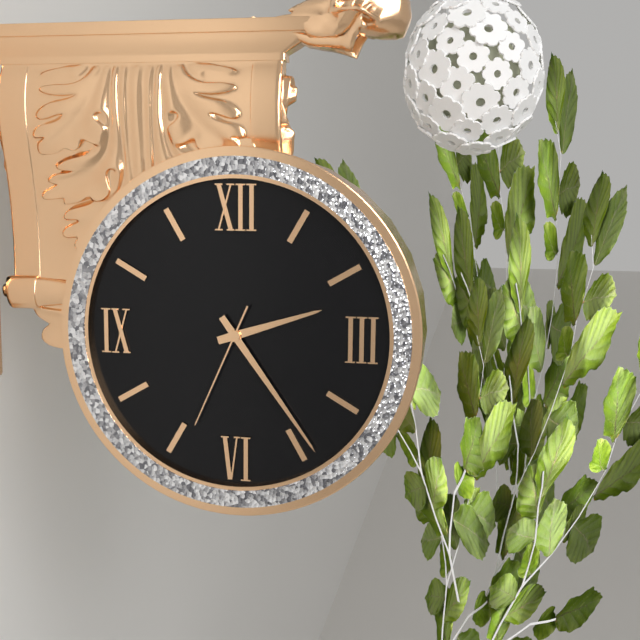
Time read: **2:24:34**
